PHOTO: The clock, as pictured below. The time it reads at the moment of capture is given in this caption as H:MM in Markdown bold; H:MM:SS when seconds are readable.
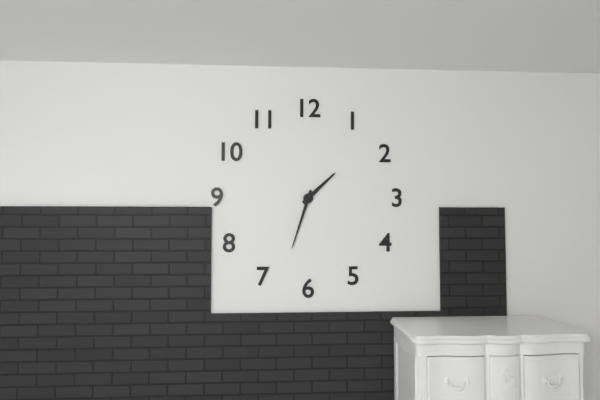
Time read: **1:33**
